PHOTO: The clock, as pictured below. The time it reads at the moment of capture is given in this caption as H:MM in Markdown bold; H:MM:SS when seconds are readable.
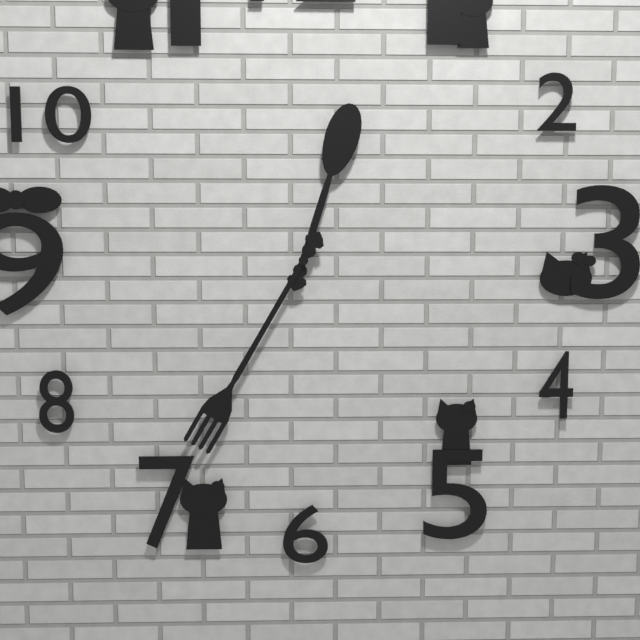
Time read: **12:35**
